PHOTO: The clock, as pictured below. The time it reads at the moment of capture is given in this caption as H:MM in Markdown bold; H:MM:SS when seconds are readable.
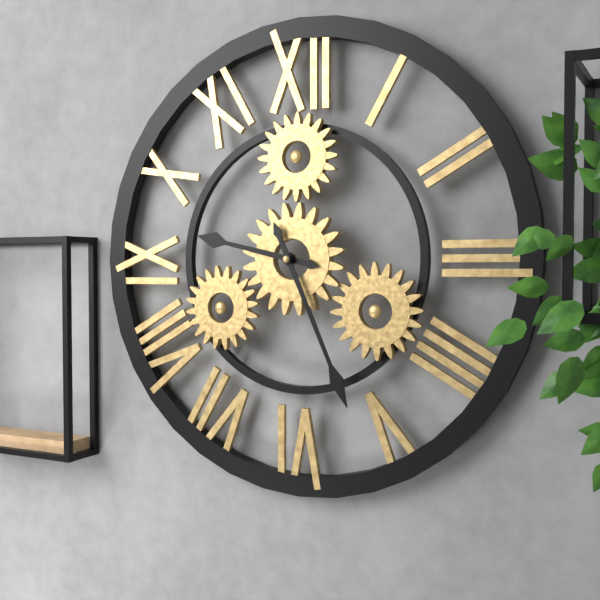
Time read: **9:26**
